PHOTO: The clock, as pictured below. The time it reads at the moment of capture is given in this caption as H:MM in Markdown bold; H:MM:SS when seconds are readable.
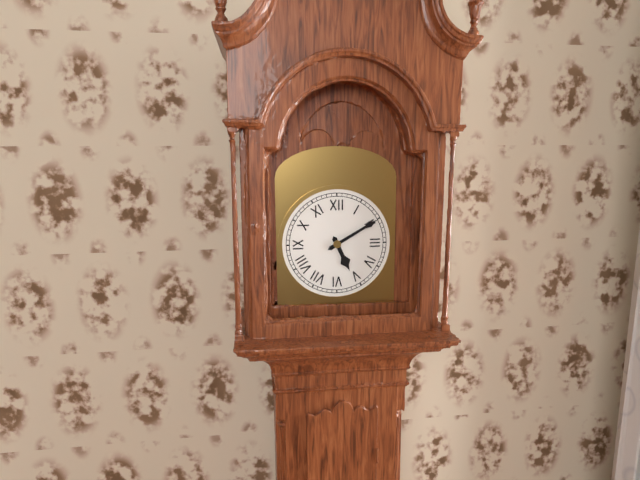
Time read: **5:10**
